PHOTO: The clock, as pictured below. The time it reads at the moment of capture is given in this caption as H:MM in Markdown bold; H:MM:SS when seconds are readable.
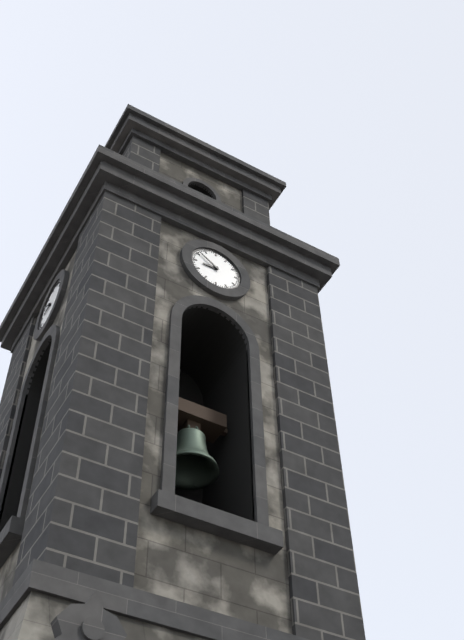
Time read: **8:51**
